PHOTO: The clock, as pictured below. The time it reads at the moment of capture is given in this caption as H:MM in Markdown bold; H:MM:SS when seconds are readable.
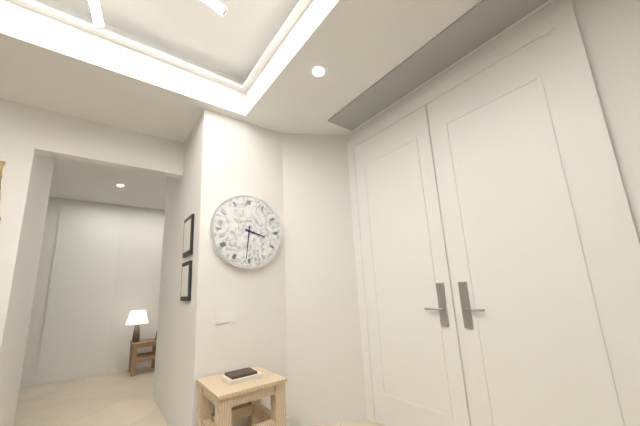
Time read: **3:31**
